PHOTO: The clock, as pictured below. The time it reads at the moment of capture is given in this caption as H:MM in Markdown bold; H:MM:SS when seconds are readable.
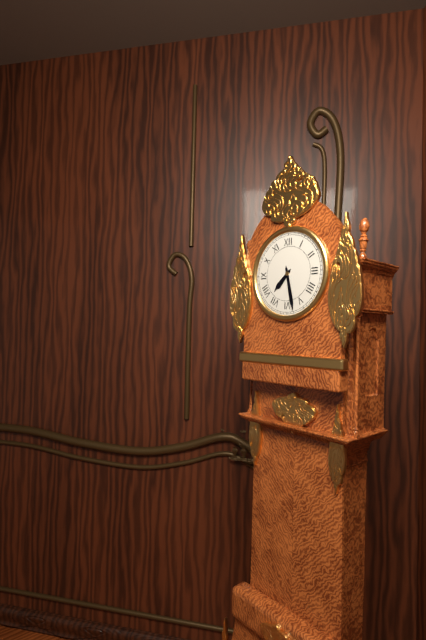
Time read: **7:28**
